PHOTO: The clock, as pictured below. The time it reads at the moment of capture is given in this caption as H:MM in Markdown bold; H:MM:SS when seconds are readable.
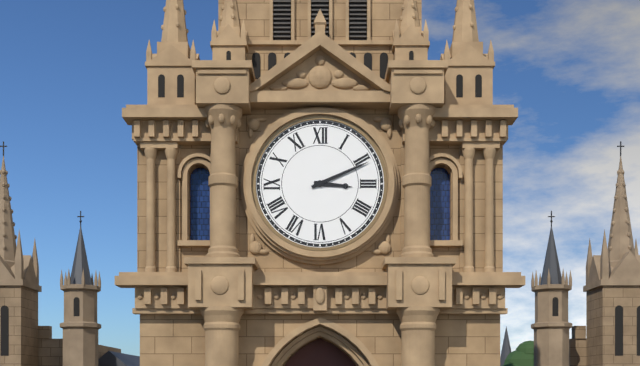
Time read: **3:11**
